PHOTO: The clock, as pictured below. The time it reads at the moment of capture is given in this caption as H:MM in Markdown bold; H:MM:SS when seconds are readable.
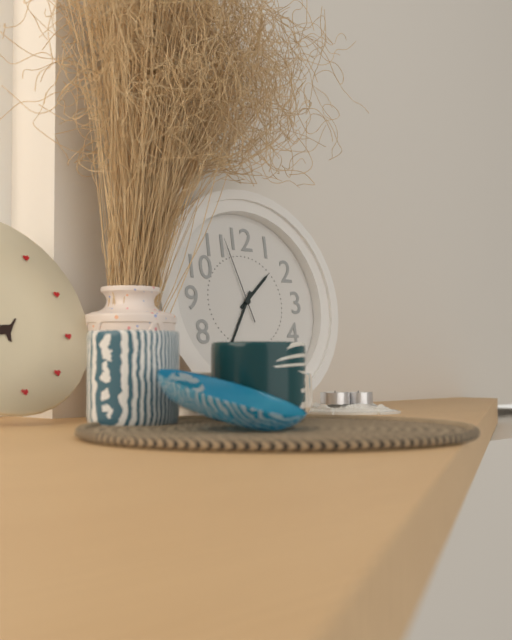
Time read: **1:35:57**
